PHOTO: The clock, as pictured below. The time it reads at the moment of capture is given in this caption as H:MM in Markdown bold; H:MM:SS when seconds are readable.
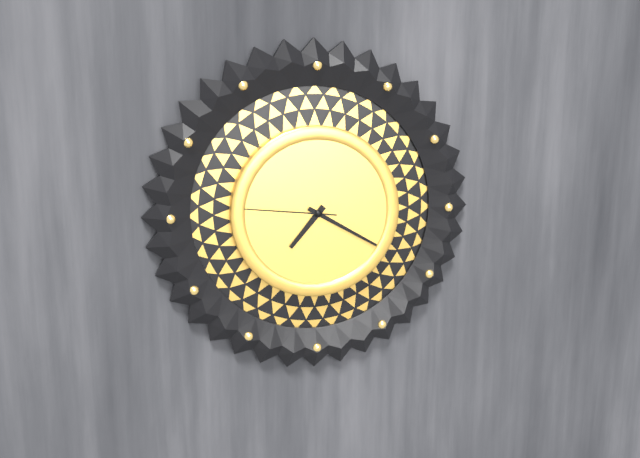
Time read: **7:20:46**
